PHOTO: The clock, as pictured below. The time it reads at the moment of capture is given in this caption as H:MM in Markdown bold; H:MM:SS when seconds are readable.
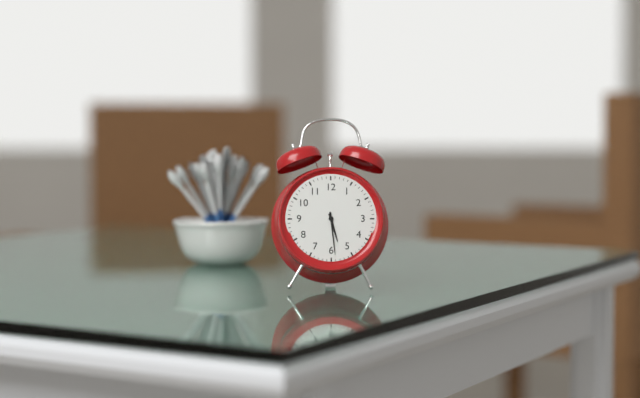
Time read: **5:29**
